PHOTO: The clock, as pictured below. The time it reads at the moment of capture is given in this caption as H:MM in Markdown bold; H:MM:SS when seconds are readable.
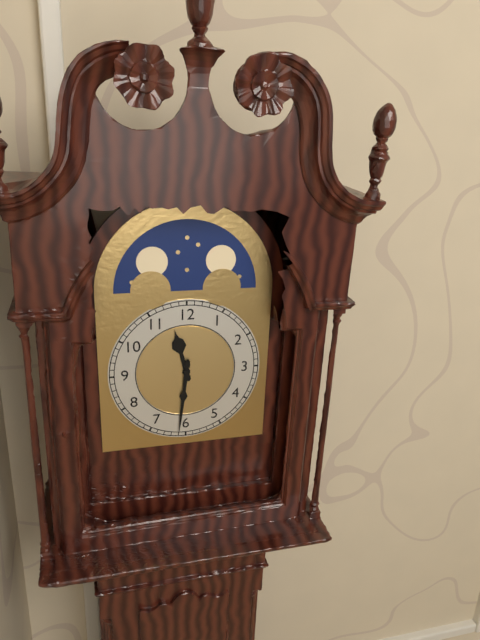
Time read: **11:31**
